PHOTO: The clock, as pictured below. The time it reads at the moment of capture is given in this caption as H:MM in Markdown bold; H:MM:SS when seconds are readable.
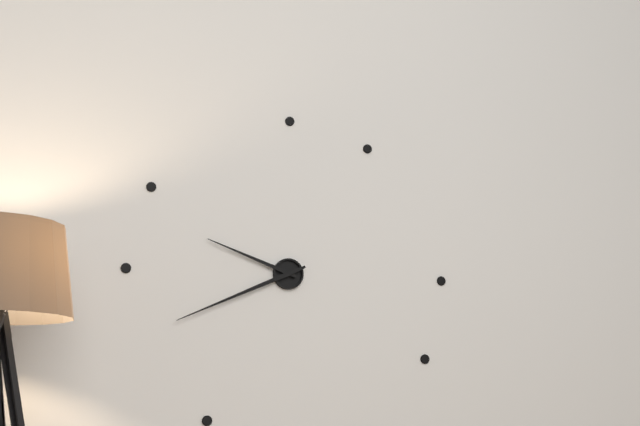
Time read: **9:41**
